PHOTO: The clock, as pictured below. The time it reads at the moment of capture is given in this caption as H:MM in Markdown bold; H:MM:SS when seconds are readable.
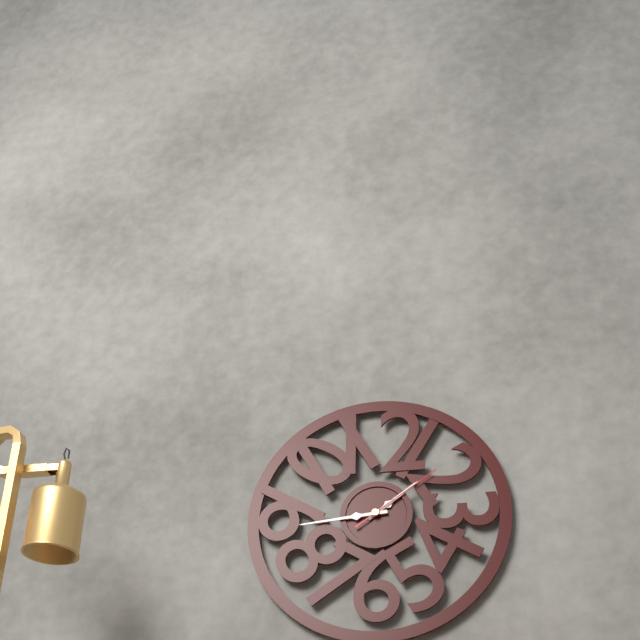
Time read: **1:44:09**
